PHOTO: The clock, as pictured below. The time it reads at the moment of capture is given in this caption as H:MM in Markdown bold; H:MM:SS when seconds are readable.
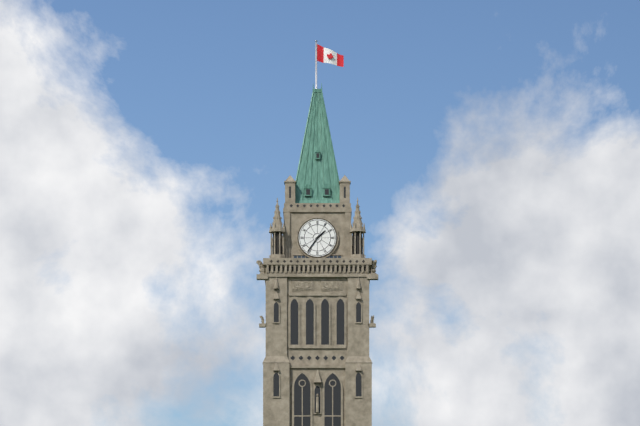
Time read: **1:36**
